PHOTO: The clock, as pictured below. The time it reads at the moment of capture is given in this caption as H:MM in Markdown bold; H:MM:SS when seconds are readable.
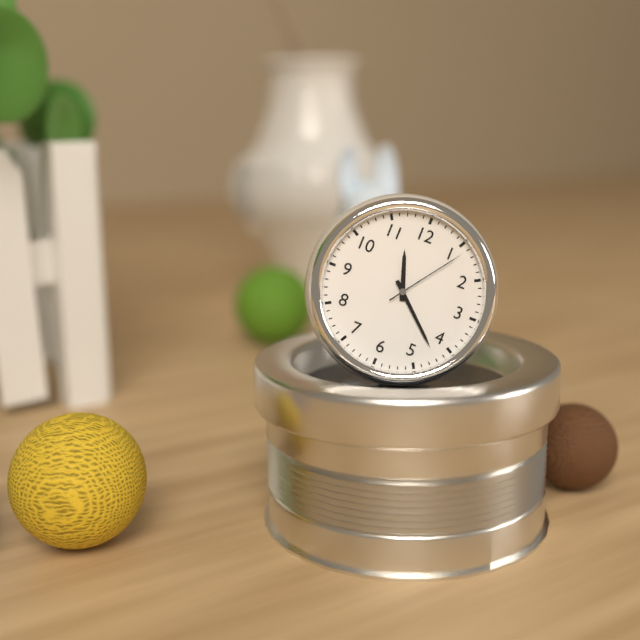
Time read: **11:22:06**
